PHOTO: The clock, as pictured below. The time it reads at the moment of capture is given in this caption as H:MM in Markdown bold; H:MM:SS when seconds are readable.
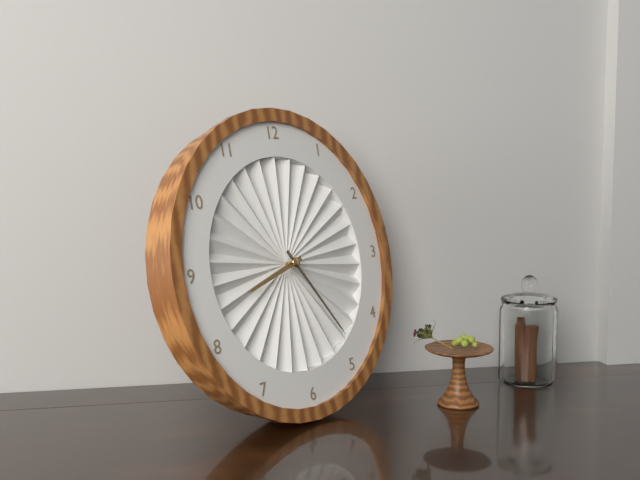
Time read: **8:24**
